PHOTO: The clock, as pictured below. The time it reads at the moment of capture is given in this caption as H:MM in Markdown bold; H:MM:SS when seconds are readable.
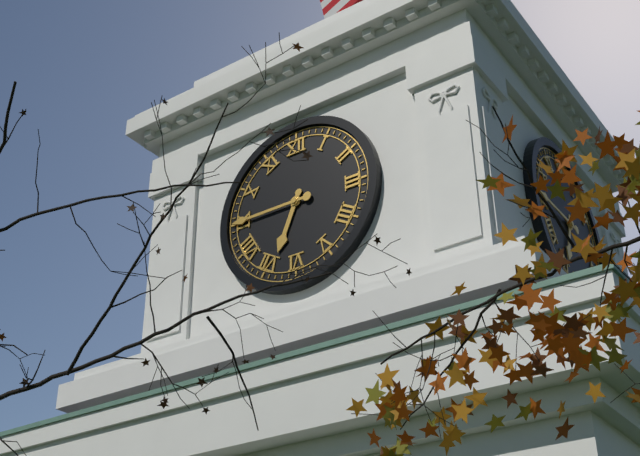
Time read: **6:45**
